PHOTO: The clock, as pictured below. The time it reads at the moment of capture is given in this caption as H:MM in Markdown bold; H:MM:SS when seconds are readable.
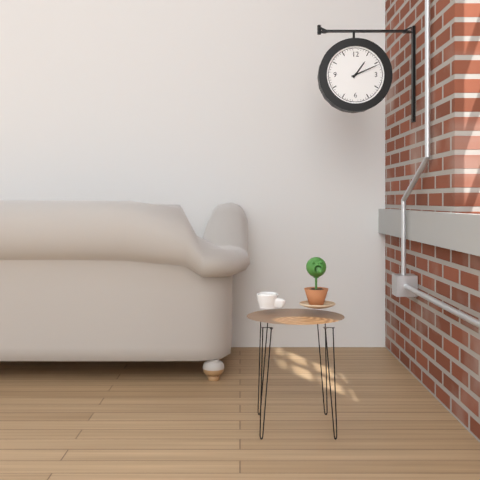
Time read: **1:11**
